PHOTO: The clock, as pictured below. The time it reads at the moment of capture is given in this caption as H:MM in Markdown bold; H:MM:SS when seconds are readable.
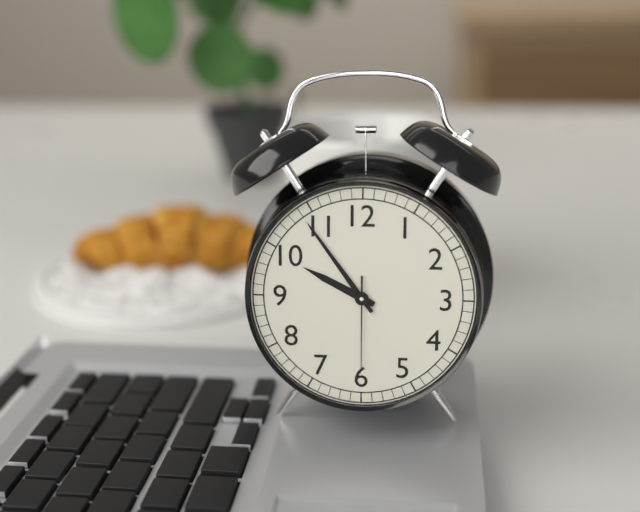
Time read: **9:54:30**
